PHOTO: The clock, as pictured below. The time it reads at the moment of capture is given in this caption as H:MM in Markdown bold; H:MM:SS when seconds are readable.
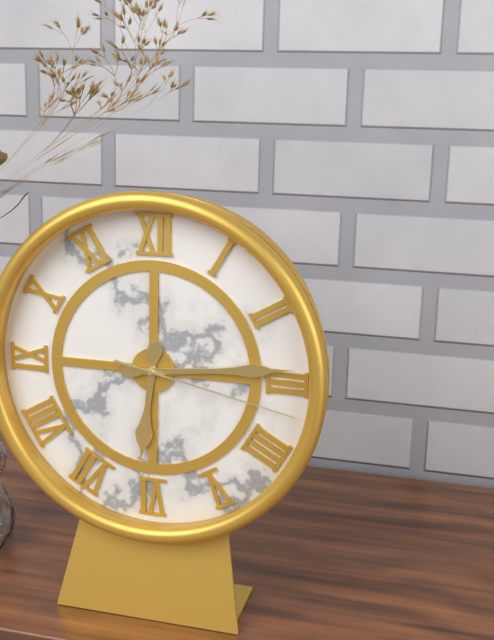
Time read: **6:14:17**
